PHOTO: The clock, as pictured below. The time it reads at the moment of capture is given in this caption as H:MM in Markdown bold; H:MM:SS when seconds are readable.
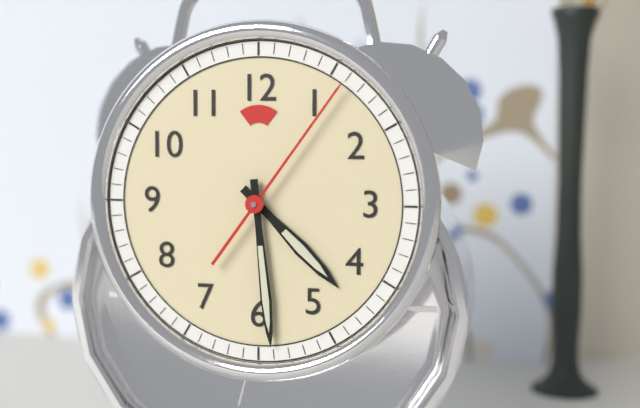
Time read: **4:29:06**
